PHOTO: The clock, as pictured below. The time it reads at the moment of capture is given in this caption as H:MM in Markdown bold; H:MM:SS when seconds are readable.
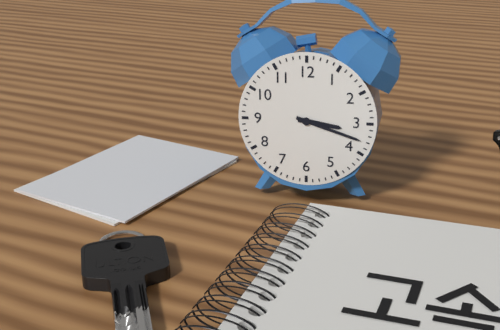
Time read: **3:18**
